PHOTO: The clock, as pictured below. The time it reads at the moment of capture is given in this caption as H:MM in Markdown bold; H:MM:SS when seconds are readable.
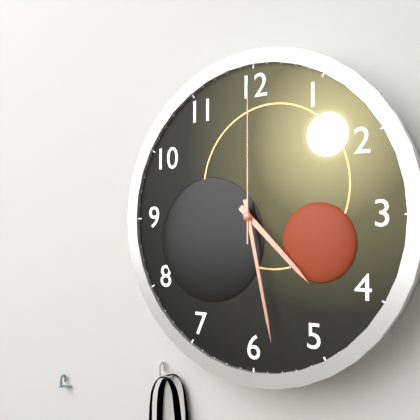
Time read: **4:28:00**
